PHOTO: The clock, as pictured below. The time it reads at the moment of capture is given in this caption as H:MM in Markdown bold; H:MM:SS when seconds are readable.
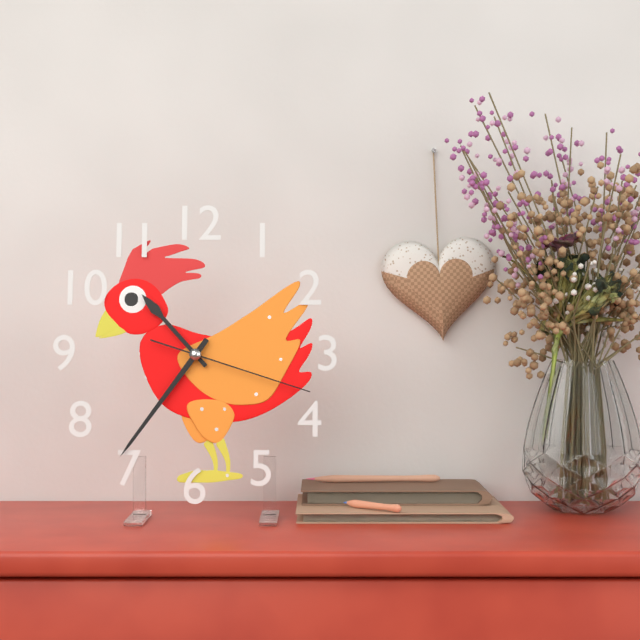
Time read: **10:36:18**
